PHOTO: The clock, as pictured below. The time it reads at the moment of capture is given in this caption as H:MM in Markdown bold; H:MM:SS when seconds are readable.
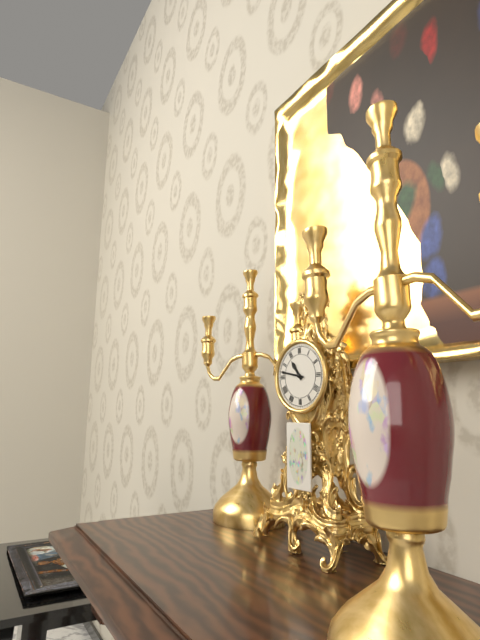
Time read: **10:47**
